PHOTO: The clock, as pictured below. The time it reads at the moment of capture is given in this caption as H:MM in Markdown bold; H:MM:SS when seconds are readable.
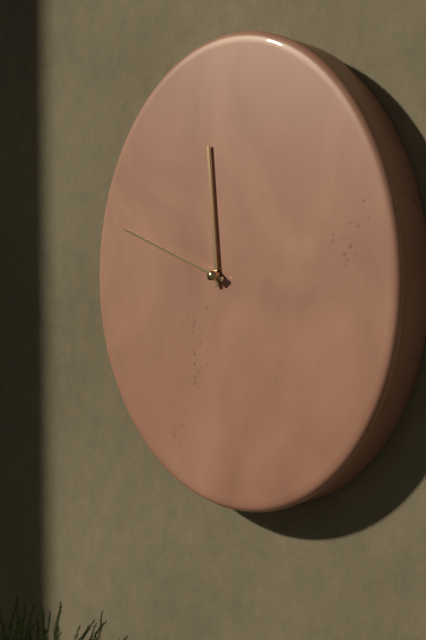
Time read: **11:48**
